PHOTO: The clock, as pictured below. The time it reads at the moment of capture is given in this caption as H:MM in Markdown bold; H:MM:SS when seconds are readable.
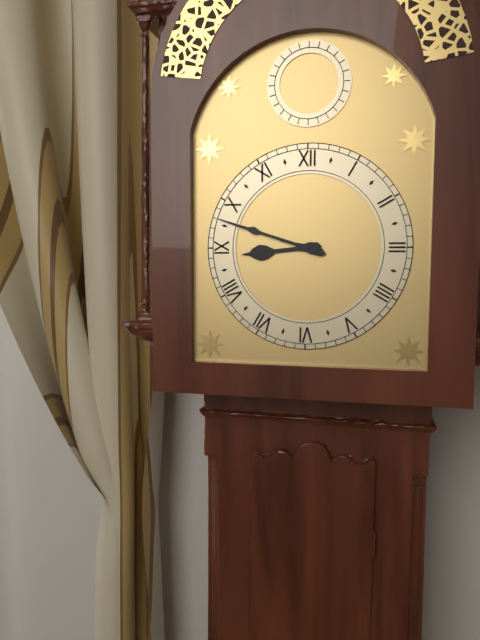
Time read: **8:48**
